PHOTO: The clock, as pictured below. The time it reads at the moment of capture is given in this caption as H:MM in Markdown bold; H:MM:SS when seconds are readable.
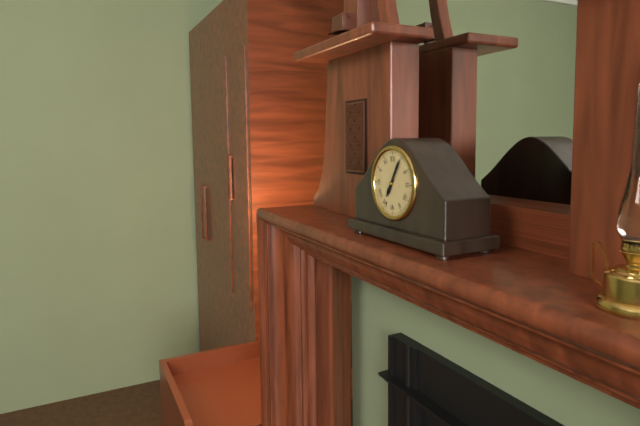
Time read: **7:05**
